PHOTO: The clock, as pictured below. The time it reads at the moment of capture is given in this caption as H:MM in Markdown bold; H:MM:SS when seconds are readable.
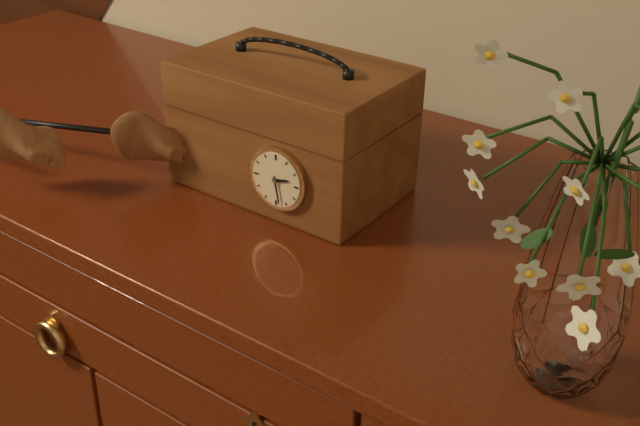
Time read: **2:28**
